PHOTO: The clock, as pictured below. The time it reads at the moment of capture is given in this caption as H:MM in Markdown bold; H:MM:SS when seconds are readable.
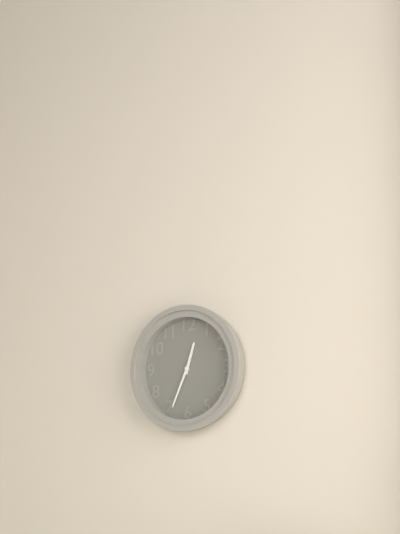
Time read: **12:34**
